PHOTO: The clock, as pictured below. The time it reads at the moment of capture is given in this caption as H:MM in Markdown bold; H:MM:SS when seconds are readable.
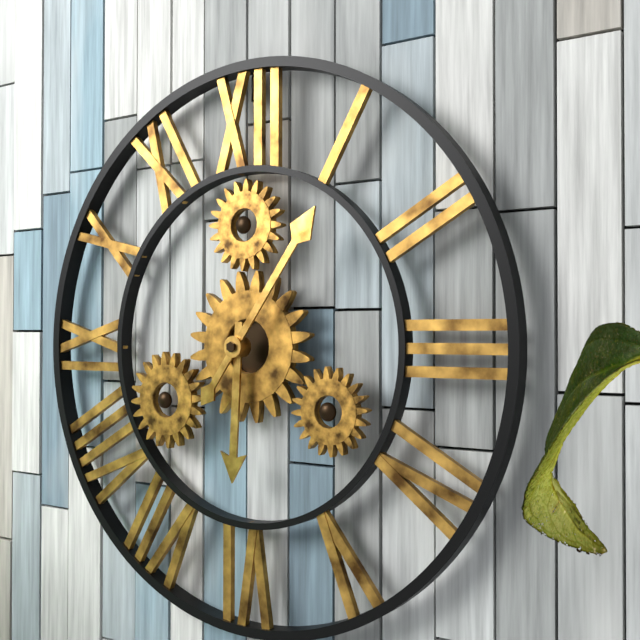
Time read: **6:06**
